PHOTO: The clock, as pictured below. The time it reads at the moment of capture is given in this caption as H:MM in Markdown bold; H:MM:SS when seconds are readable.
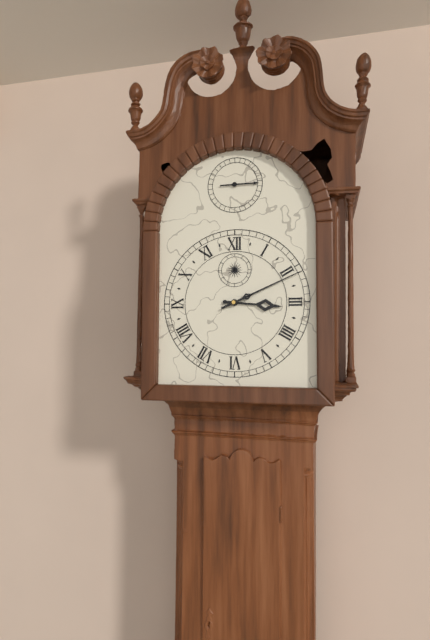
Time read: **3:11**
